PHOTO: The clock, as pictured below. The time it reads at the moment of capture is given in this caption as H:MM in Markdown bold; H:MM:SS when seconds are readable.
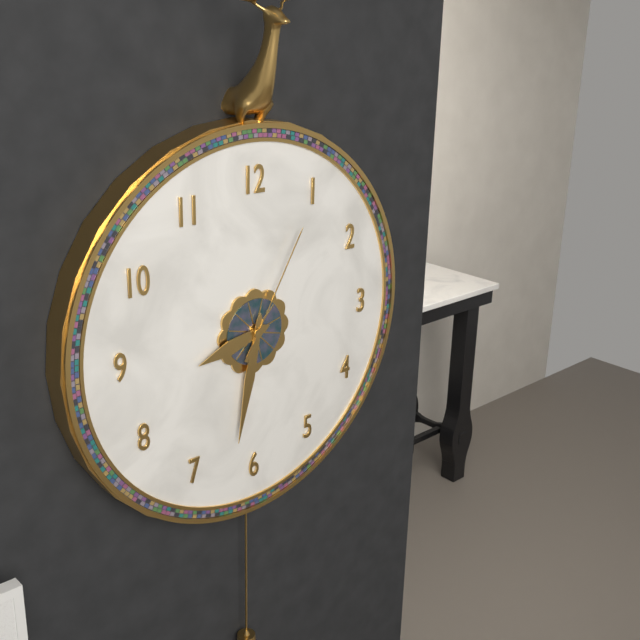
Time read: **8:32:05**
